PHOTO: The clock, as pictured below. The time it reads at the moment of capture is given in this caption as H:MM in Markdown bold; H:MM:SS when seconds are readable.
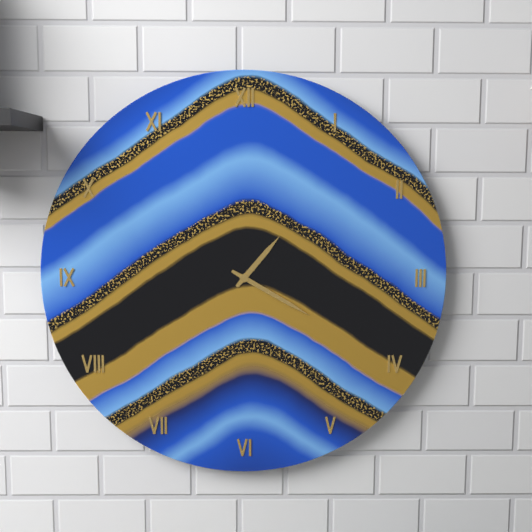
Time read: **1:20**
